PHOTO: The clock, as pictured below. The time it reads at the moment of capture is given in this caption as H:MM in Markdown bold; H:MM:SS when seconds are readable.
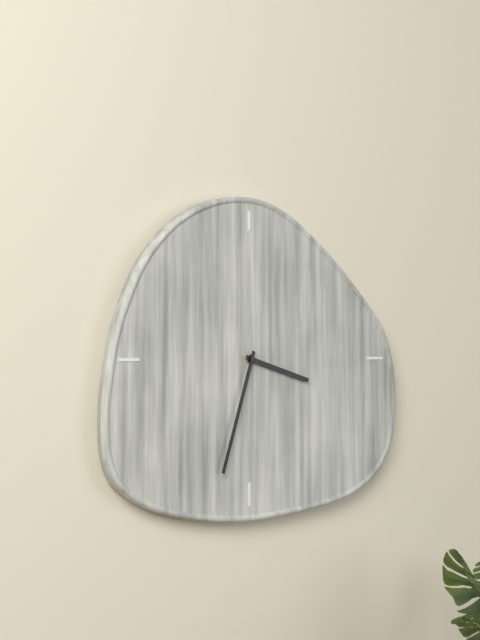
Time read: **3:33**
